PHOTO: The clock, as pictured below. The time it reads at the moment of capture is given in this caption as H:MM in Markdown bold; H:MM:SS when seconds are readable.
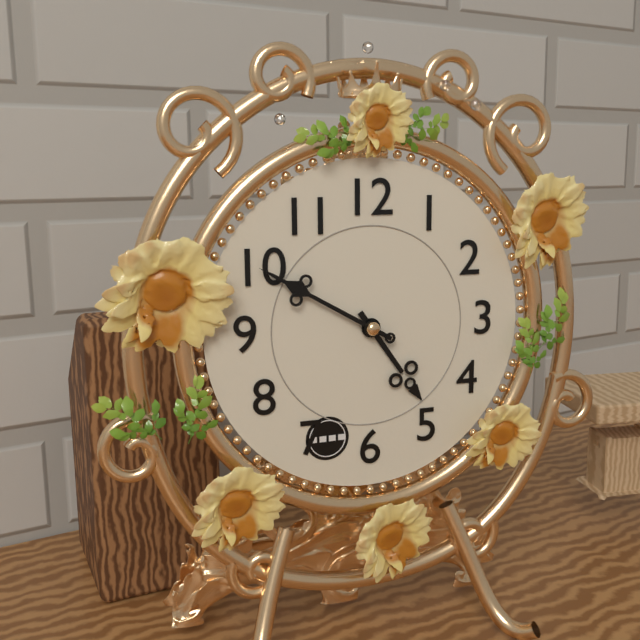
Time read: **4:50**
